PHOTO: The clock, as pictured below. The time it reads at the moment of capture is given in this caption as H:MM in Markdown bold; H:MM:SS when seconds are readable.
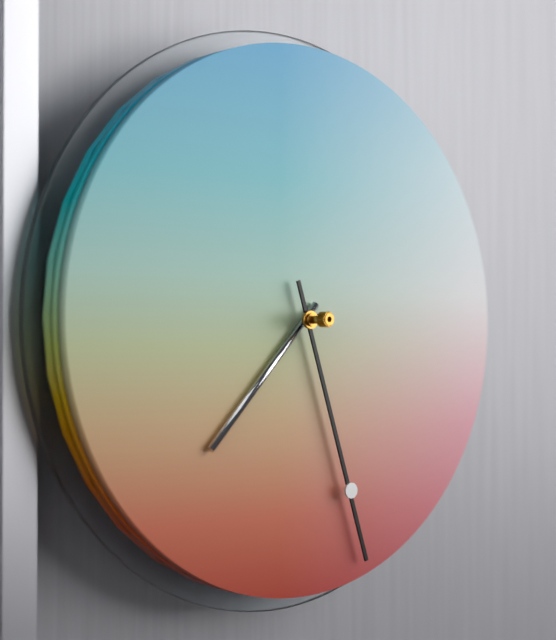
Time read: **7:27**
